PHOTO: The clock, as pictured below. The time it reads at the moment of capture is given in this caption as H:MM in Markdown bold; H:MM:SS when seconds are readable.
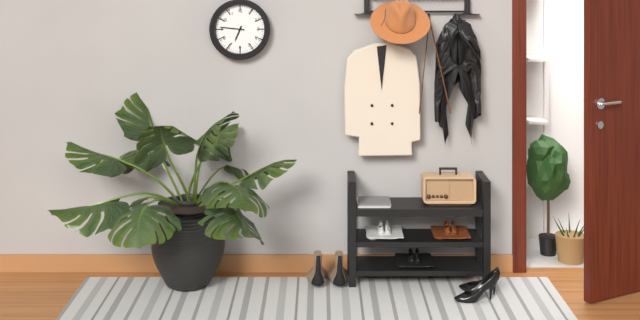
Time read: **6:46**
